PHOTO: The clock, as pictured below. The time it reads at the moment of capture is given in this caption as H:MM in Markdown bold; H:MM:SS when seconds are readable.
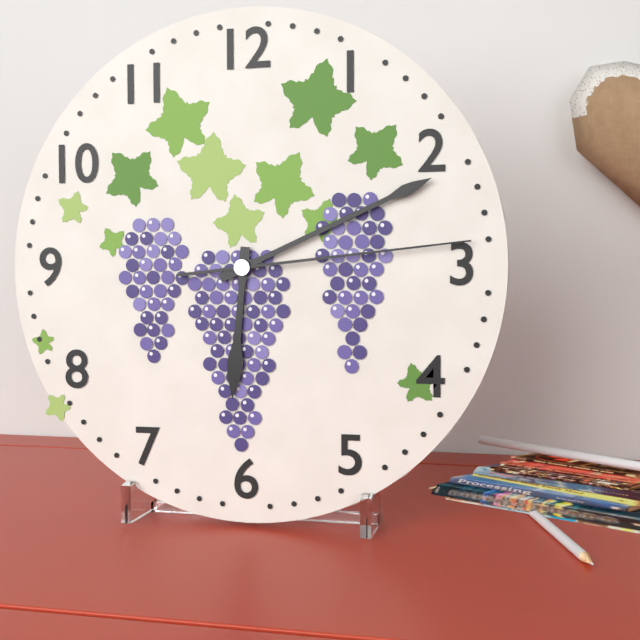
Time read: **6:11:14**
